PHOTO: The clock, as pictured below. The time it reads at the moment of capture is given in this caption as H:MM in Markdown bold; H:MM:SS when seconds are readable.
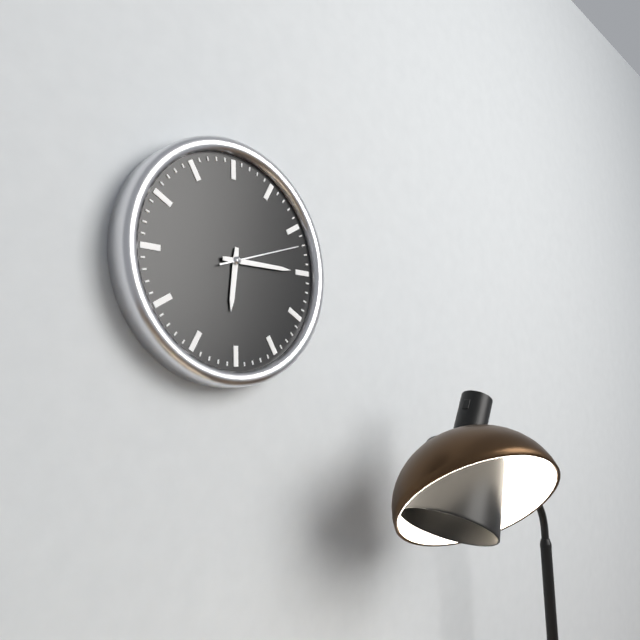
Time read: **6:15:12**
